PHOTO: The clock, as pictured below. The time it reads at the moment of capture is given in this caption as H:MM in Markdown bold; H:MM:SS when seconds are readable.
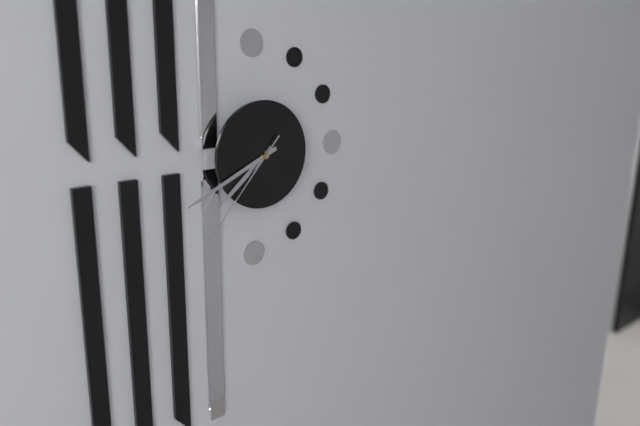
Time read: **7:41:37**
